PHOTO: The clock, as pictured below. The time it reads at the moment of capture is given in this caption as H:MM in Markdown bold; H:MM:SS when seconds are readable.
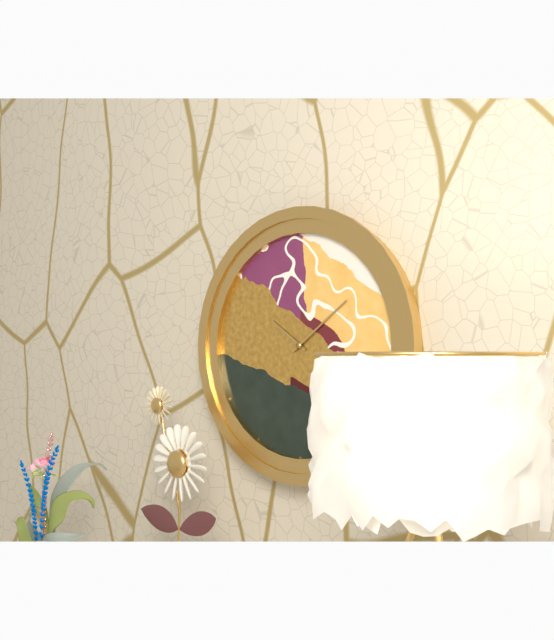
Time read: **10:09**
